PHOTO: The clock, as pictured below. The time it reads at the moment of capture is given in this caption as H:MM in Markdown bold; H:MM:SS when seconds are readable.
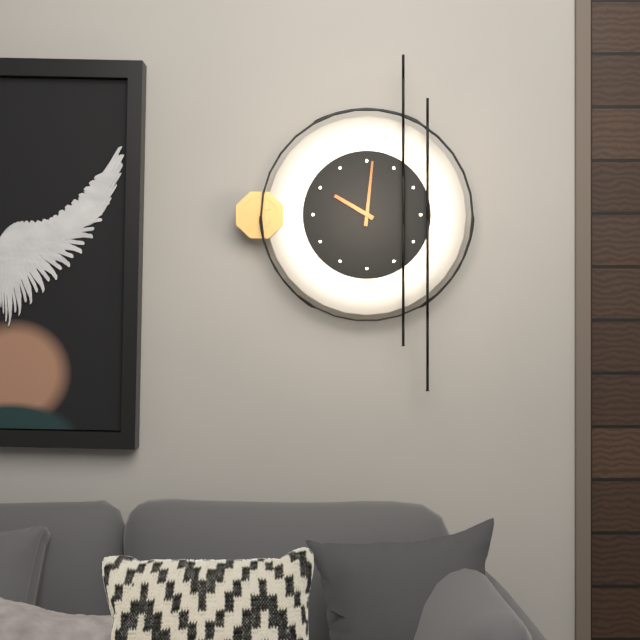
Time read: **10:01**
